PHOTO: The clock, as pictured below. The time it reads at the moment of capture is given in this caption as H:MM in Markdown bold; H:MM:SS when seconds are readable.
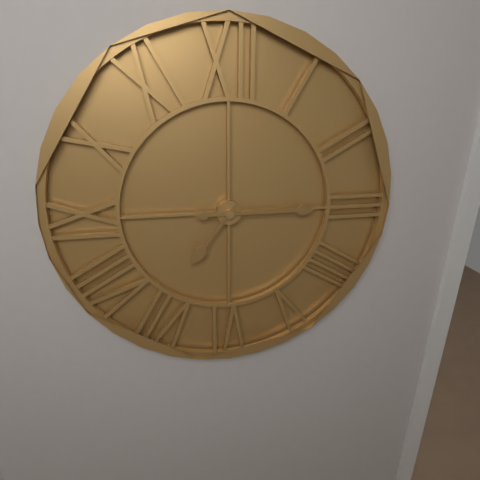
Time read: **7:15**
